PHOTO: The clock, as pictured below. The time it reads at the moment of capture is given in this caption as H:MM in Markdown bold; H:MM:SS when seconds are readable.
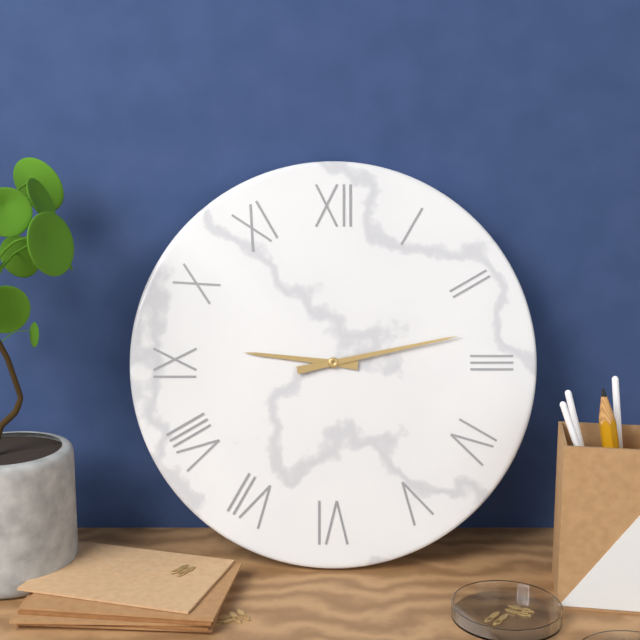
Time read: **9:13**
